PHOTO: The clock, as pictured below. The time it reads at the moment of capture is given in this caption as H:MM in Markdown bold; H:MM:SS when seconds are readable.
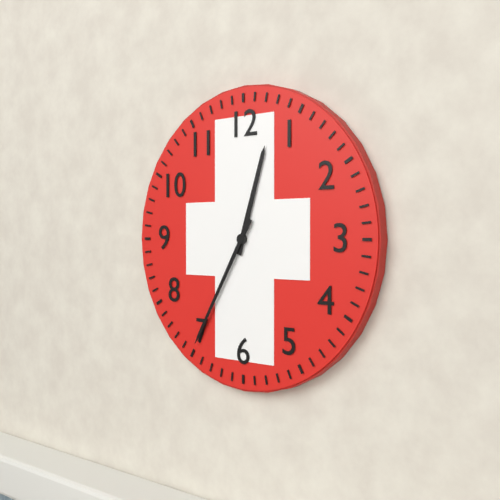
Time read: **12:35**
